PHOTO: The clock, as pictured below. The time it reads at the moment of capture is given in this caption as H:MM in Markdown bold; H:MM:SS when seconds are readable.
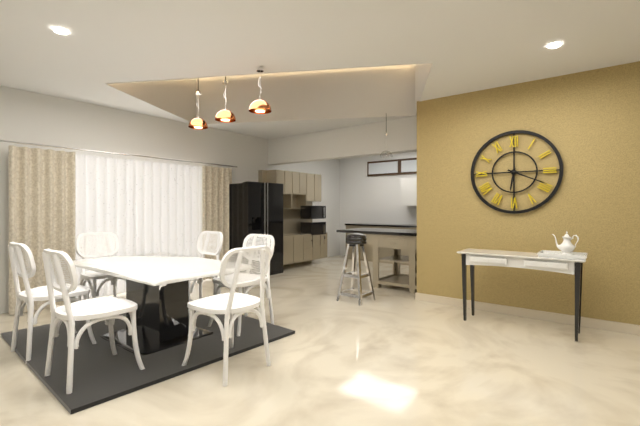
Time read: **6:19**
